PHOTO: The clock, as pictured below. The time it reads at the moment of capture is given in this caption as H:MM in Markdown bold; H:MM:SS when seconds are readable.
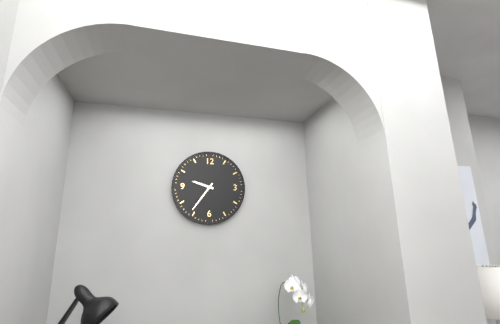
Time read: **9:36**
